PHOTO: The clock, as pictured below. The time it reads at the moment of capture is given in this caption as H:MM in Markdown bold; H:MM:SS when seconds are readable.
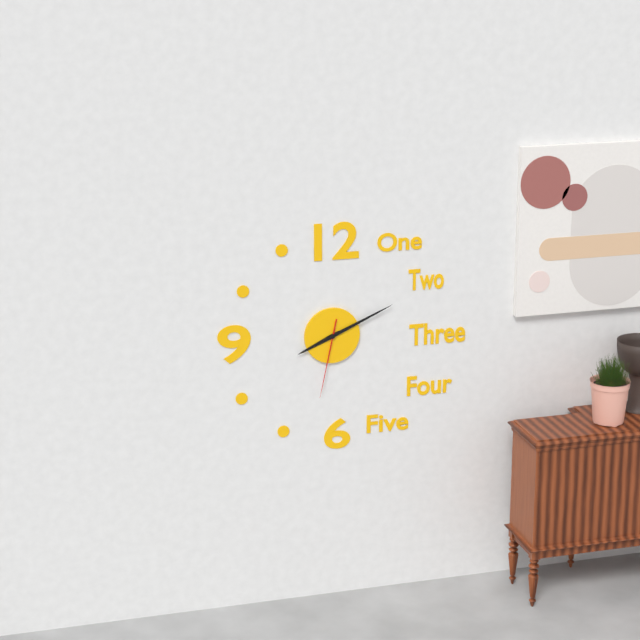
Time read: **8:11:32**
